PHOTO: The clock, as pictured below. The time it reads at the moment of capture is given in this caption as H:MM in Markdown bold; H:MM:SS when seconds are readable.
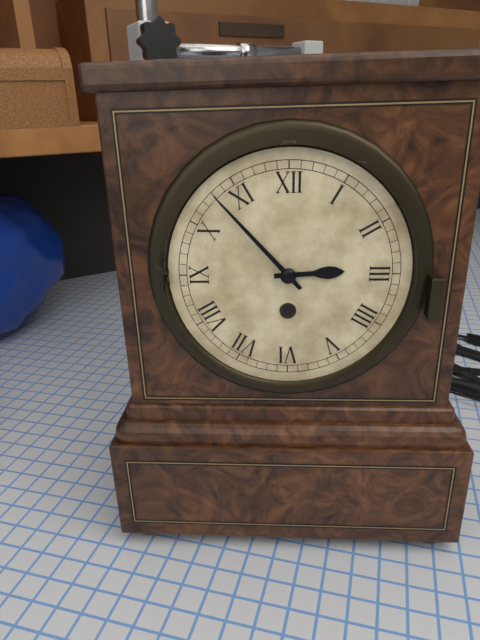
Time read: **2:53**
